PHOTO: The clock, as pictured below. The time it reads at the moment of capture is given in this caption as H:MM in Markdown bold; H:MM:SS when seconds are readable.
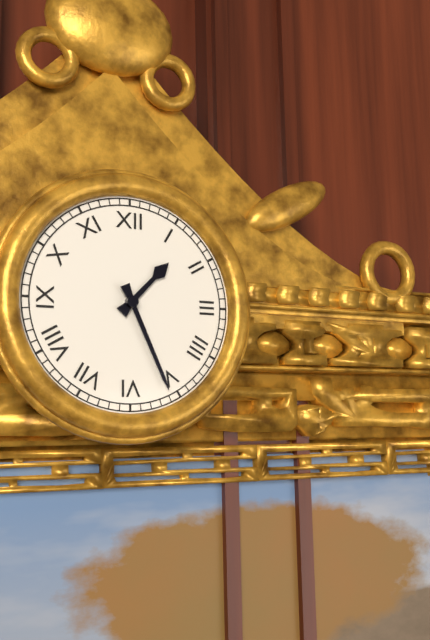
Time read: **1:26**
